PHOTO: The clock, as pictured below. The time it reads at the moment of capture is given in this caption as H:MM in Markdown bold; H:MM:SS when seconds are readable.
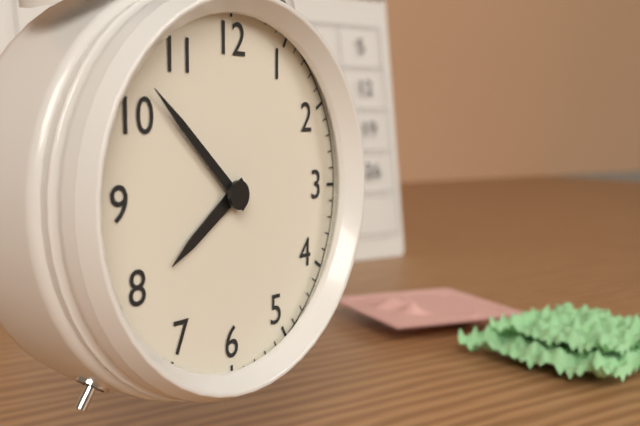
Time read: **7:52**
